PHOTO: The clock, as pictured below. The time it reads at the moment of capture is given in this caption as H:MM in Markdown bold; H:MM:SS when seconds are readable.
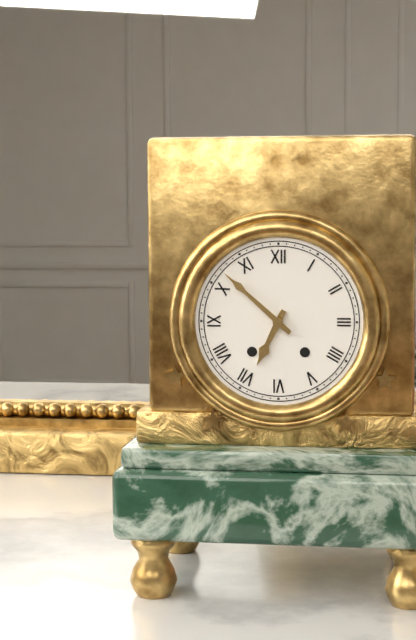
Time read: **6:52**
